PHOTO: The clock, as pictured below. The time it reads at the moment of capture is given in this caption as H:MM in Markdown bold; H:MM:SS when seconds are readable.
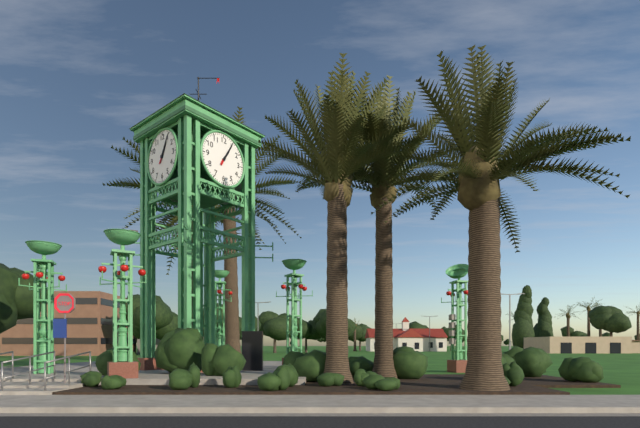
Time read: **1:05**
